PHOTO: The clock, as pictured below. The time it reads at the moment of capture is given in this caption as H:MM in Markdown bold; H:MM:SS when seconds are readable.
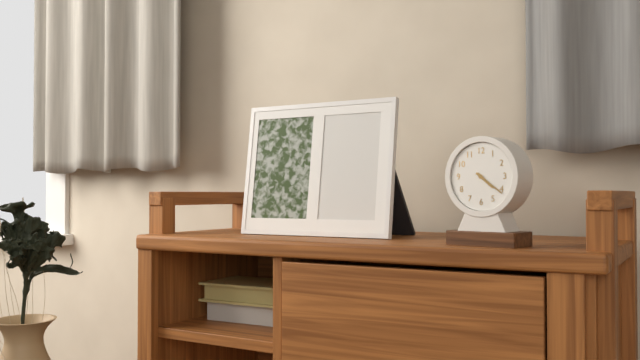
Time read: **4:21**
